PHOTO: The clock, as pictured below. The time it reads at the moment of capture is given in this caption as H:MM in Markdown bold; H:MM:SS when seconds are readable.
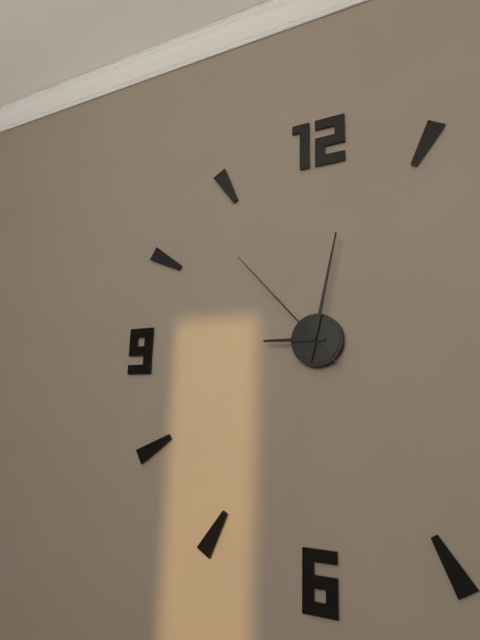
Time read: **9:02:53**
